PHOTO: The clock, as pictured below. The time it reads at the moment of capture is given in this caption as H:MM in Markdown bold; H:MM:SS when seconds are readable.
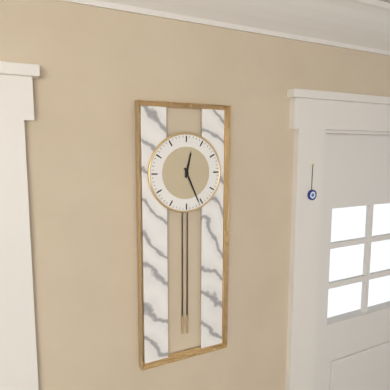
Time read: **12:26**
